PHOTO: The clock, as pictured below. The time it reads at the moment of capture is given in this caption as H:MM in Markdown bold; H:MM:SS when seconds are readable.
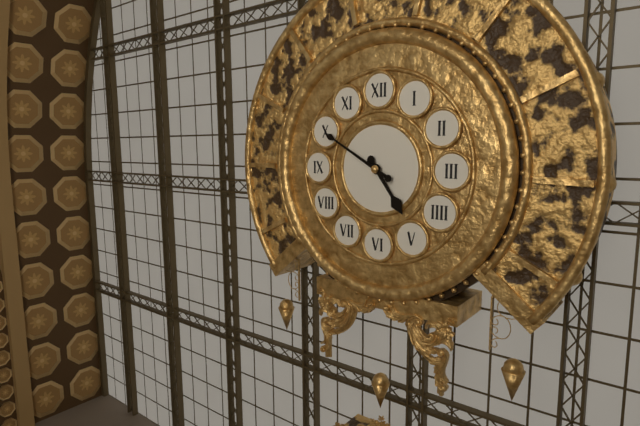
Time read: **4:50**
